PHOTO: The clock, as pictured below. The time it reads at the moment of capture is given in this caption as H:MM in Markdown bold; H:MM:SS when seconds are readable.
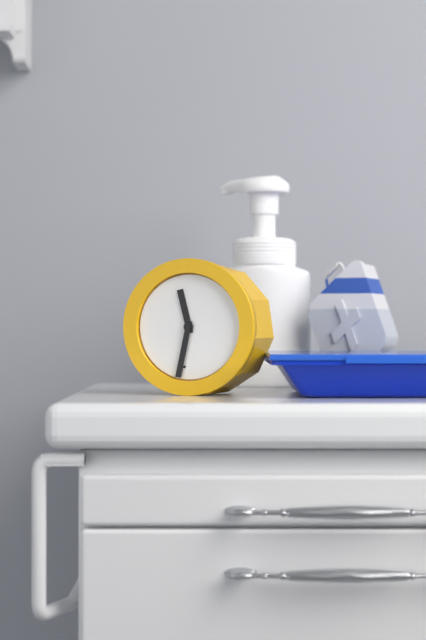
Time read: **11:32**
